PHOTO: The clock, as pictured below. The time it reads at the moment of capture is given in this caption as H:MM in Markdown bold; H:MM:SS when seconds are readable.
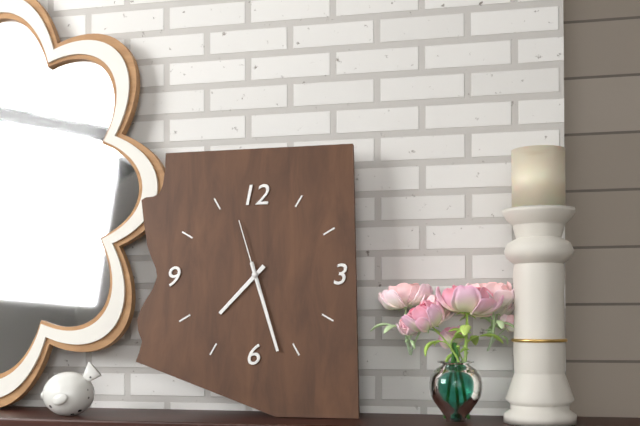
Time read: **7:27:57**
